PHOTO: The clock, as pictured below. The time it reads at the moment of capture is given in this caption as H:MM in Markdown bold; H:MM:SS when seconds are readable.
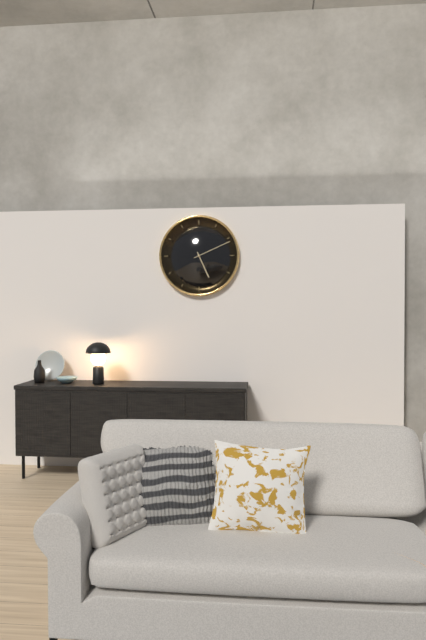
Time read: **5:11**
